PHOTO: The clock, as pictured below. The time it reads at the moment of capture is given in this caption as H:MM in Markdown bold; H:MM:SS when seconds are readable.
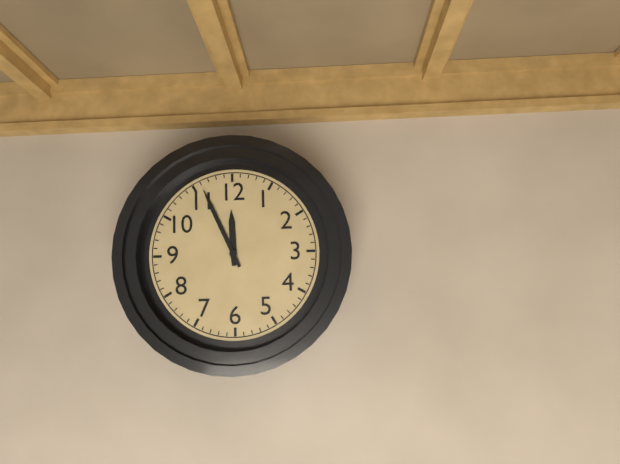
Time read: **11:56**
